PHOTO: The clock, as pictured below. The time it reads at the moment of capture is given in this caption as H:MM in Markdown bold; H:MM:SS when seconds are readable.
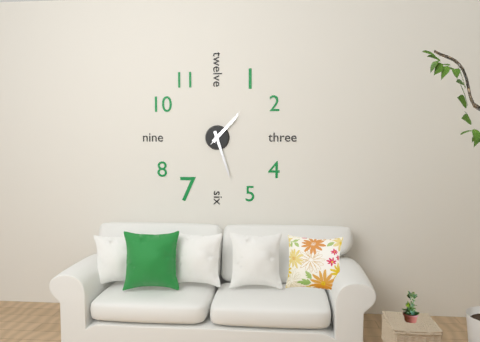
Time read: **1:27**
